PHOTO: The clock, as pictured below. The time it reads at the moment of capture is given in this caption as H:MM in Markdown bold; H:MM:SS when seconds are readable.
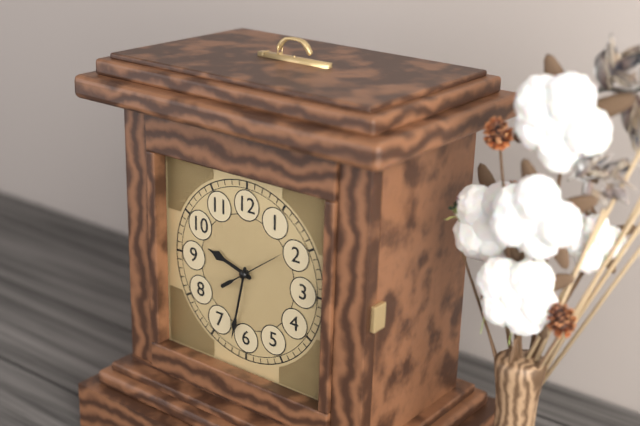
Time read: **9:32:09**
